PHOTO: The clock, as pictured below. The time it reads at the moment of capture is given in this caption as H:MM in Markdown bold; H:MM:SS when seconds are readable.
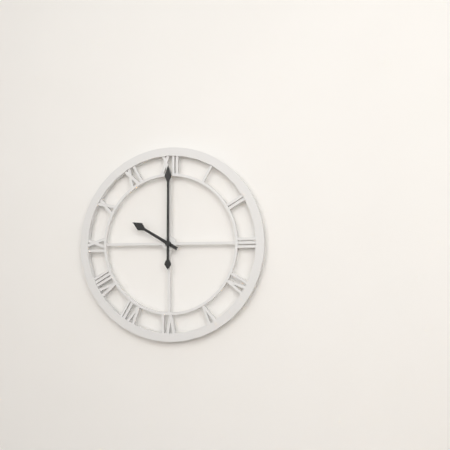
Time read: **10:00**
